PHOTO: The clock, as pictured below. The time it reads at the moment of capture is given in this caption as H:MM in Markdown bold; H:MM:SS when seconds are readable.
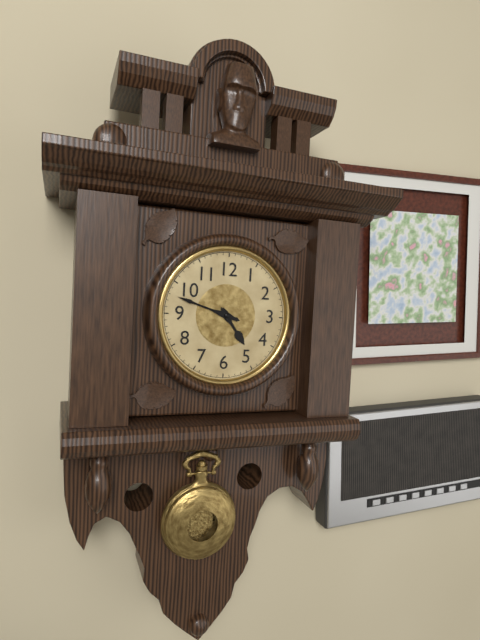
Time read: **4:48**
